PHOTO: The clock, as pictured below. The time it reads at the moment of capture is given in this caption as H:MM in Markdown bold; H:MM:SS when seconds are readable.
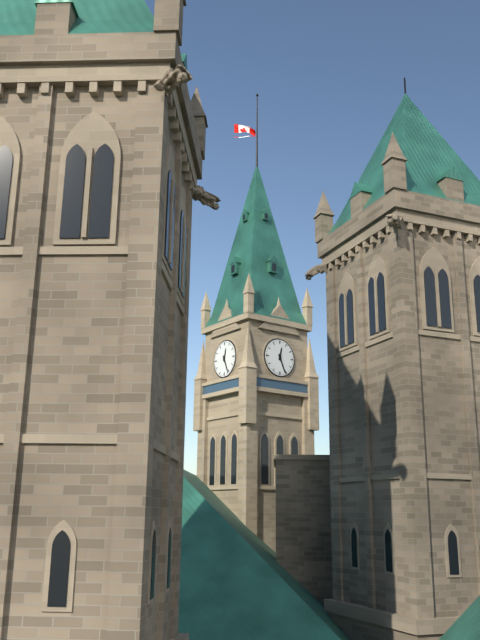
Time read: **12:26**
